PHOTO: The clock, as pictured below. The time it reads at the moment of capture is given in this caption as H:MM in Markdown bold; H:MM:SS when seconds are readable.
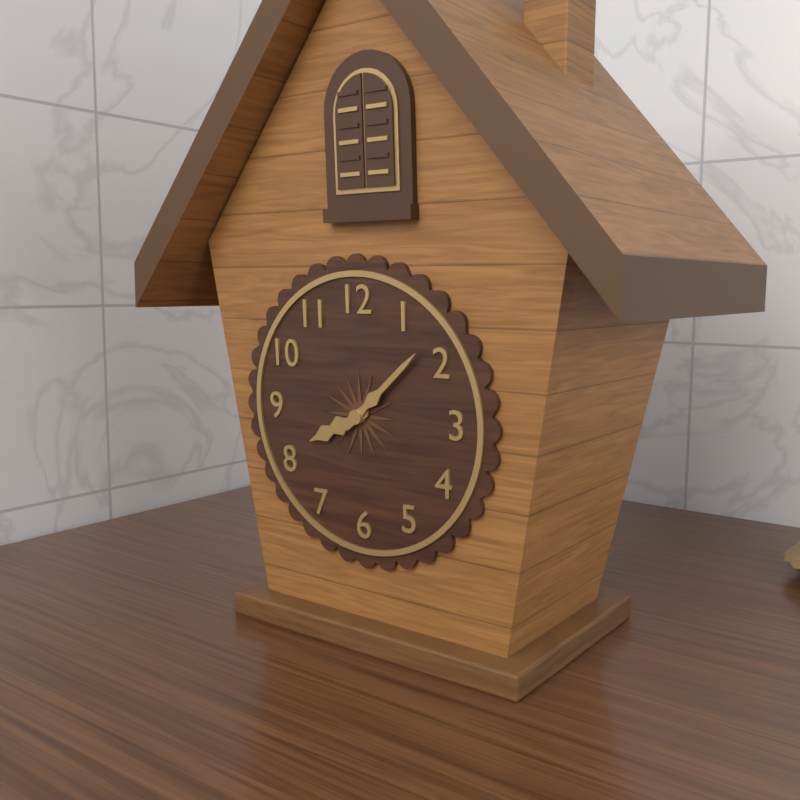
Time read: **8:08**
